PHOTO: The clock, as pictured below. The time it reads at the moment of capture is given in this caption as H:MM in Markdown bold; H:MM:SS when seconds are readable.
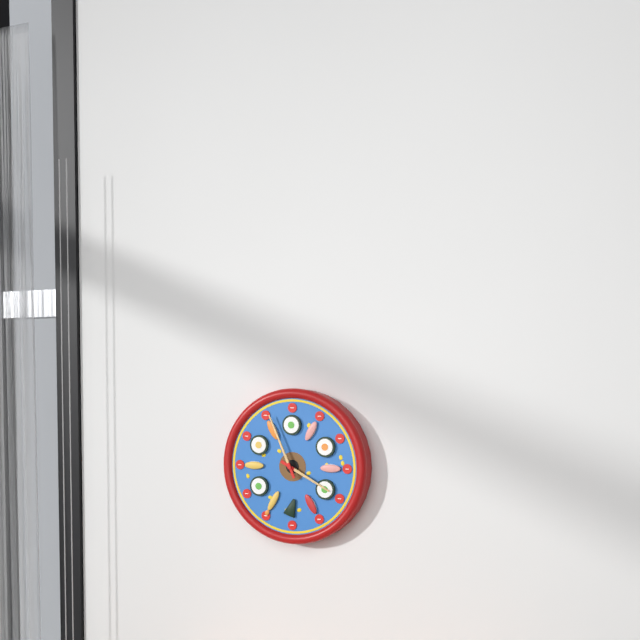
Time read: **3:56**
